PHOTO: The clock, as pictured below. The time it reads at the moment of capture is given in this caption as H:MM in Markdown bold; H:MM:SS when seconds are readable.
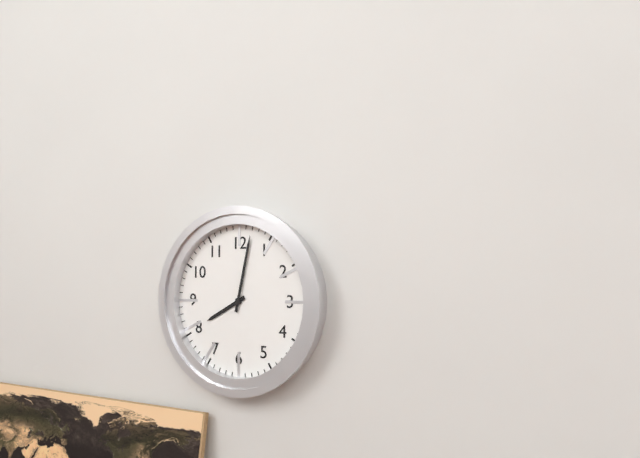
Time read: **8:02**
